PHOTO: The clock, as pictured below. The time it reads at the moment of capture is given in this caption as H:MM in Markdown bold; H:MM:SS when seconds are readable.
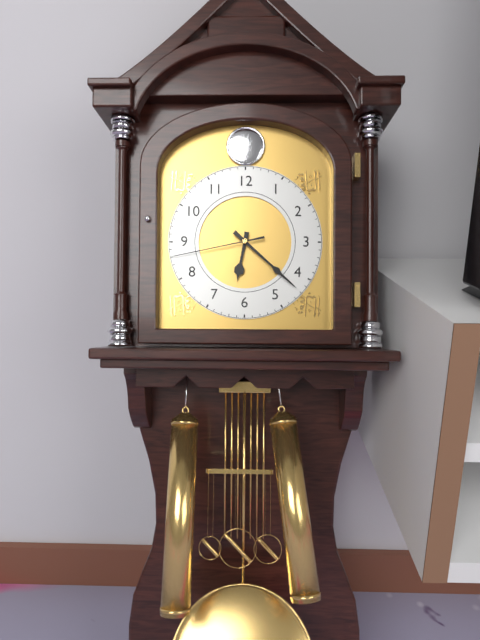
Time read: **6:22:43**
